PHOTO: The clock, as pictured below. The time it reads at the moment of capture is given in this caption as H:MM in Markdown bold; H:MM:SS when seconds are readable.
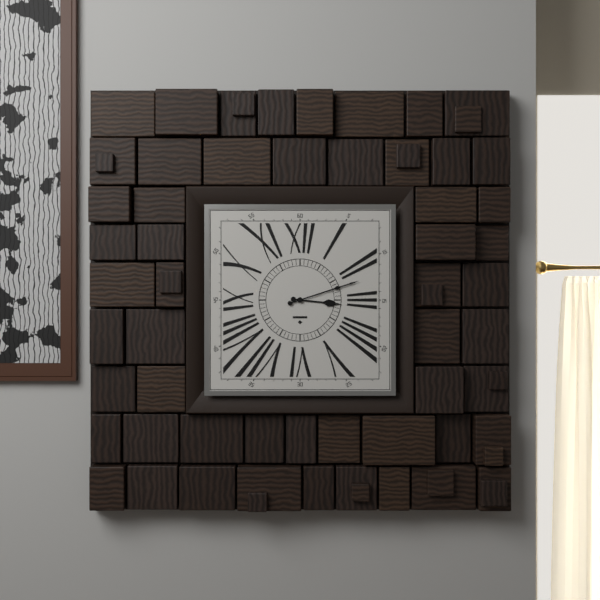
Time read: **3:12**
